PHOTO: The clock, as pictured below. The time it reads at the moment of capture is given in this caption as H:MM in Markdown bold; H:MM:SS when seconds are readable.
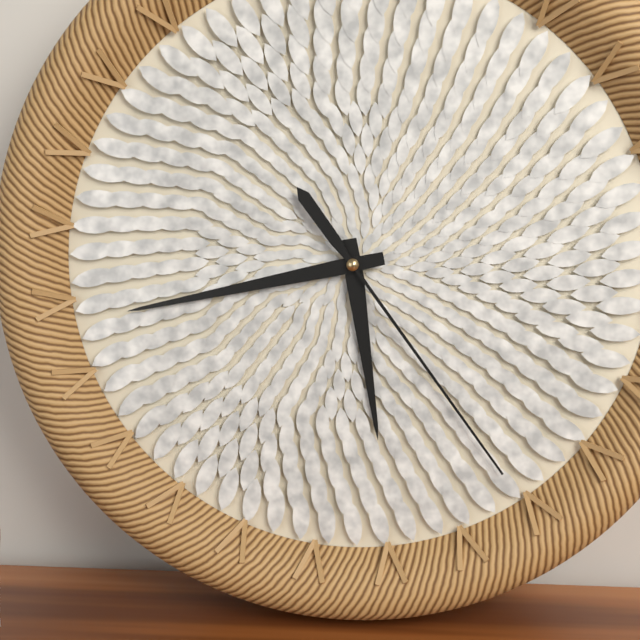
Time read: **5:43:24**
